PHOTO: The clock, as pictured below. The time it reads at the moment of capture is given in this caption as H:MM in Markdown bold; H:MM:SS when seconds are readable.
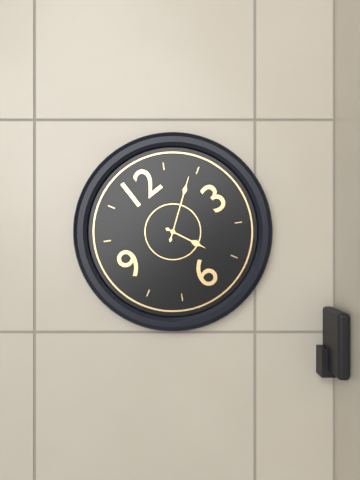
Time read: **5:09**
